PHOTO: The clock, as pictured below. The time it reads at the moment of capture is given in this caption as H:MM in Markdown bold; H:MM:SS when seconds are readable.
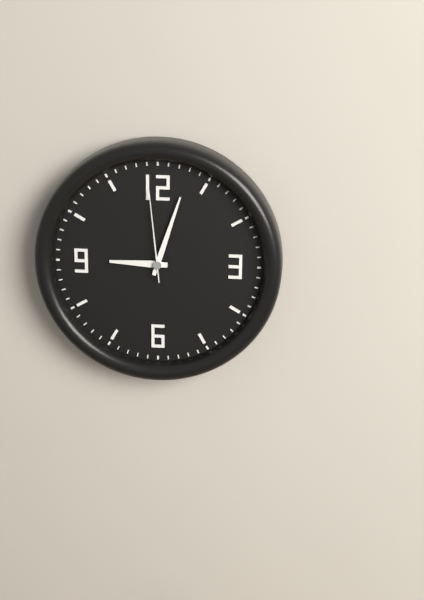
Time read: **9:03:59**
